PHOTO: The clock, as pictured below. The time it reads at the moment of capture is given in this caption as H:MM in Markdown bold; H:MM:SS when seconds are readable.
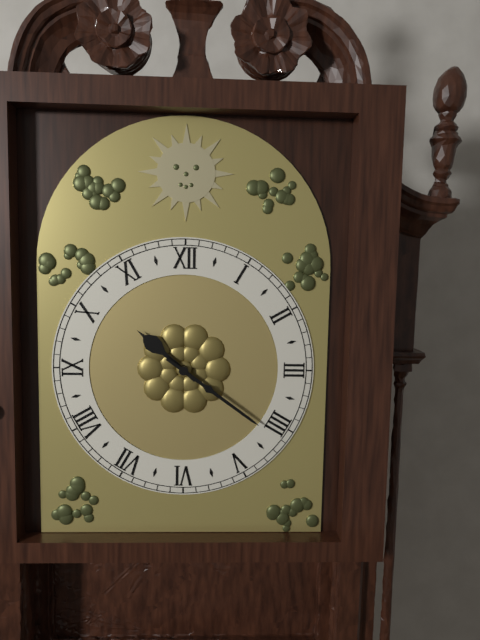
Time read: **10:21**
